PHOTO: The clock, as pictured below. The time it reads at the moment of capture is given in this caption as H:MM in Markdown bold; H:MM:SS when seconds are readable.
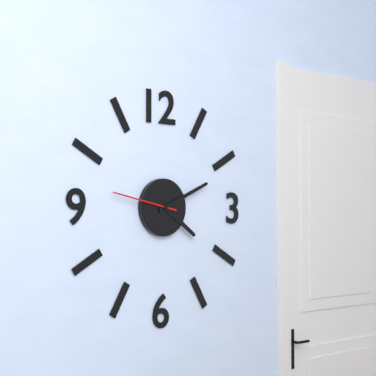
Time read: **4:11:47**
